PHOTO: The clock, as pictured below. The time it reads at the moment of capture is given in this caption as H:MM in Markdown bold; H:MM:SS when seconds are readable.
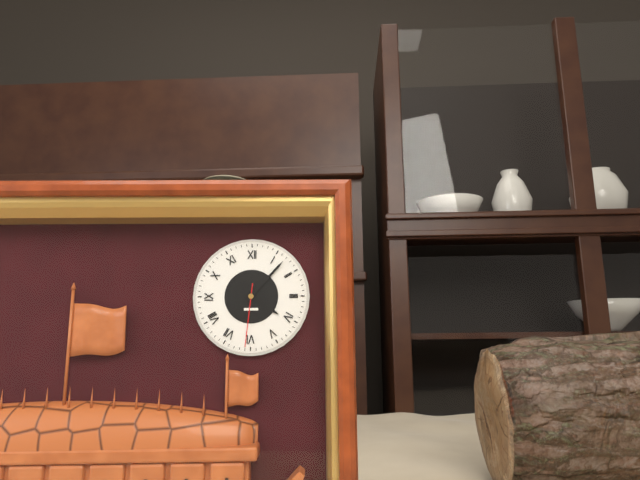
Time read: **4:07:31**
